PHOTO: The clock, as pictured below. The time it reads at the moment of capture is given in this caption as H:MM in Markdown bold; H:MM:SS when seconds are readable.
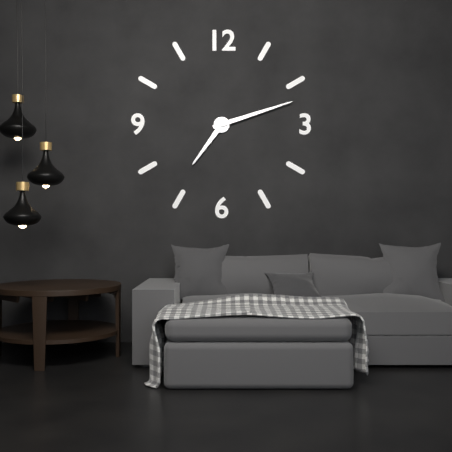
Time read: **7:12**
